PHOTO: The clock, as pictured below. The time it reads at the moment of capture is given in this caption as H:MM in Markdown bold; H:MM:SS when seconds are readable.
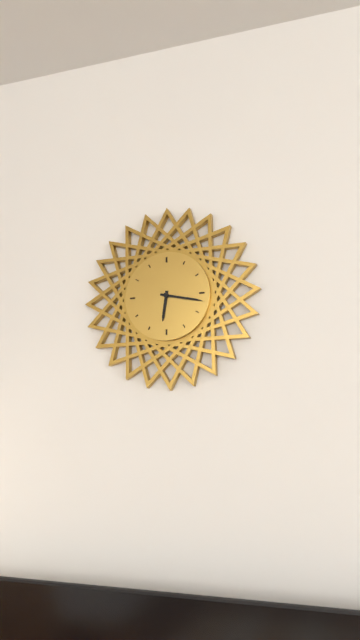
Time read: **6:17**
